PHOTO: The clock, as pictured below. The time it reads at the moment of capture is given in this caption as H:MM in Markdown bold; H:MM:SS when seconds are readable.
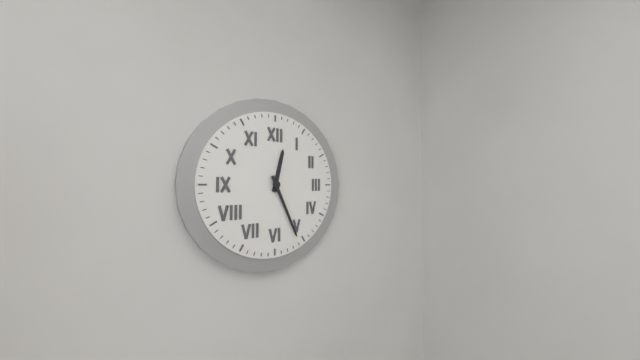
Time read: **12:26**
